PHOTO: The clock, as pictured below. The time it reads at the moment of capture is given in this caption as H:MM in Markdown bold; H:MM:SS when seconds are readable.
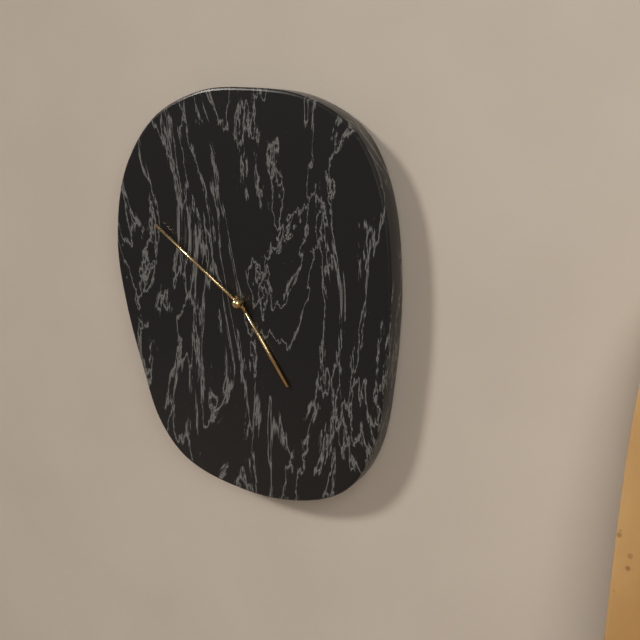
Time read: **4:51**
